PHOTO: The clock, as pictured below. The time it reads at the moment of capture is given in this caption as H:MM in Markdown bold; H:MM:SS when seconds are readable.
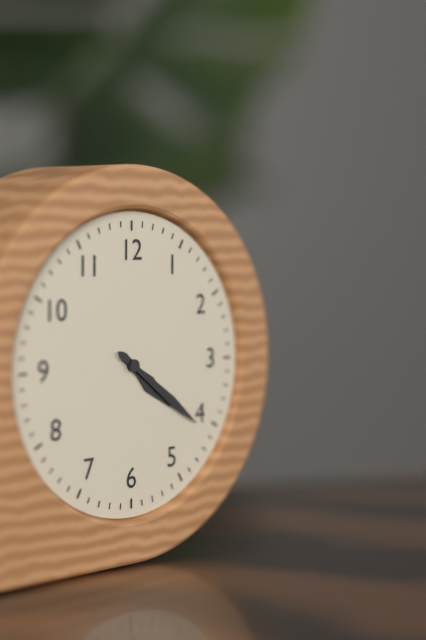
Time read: **4:21**
